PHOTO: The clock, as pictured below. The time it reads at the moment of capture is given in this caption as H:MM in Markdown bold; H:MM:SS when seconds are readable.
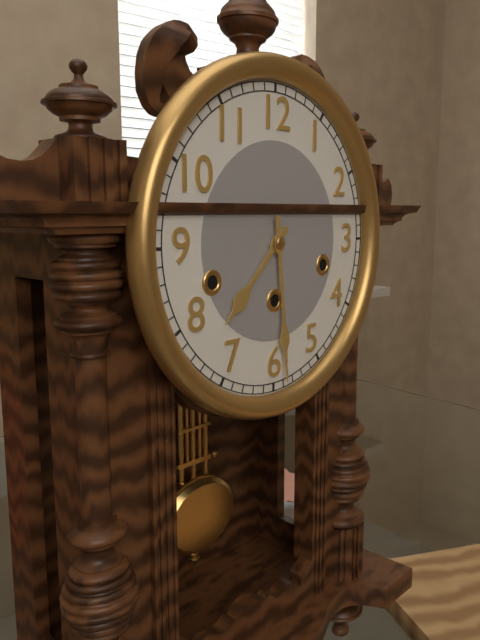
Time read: **7:29**
